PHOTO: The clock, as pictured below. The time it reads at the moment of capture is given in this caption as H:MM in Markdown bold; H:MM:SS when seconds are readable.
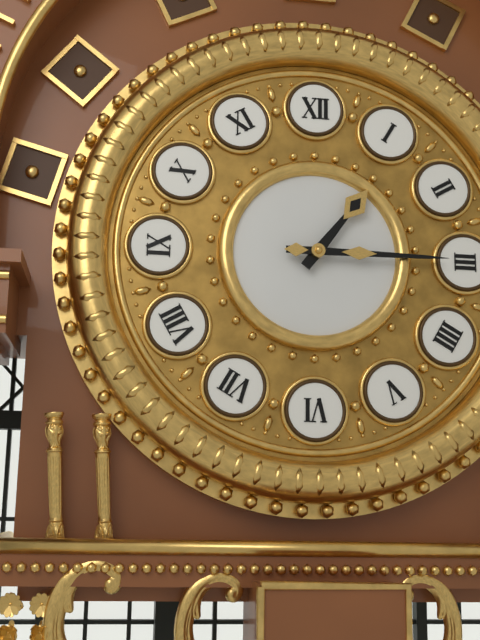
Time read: **1:15**
